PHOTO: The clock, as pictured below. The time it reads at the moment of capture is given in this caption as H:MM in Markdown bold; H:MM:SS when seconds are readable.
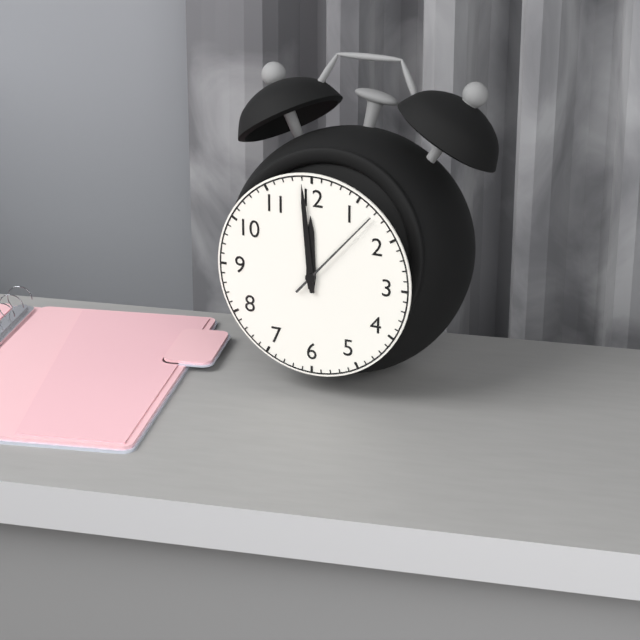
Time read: **11:59:07**
